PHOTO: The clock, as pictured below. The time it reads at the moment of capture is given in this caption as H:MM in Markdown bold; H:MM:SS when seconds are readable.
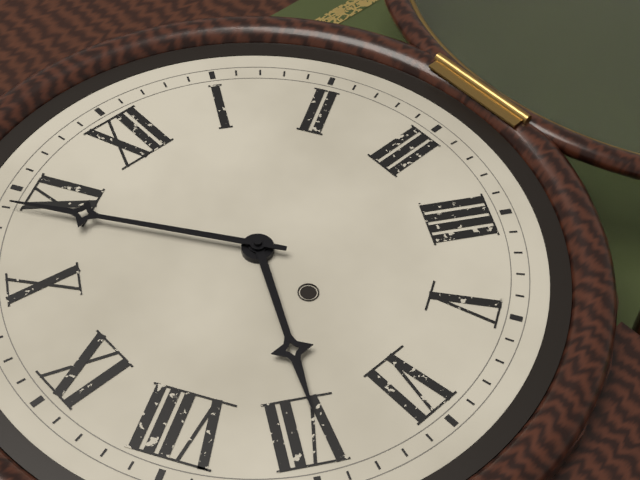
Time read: **6:54**
